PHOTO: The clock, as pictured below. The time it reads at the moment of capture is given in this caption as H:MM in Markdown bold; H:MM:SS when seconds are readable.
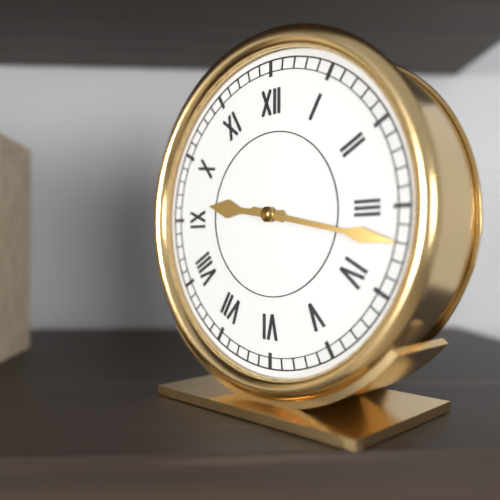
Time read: **9:17**
